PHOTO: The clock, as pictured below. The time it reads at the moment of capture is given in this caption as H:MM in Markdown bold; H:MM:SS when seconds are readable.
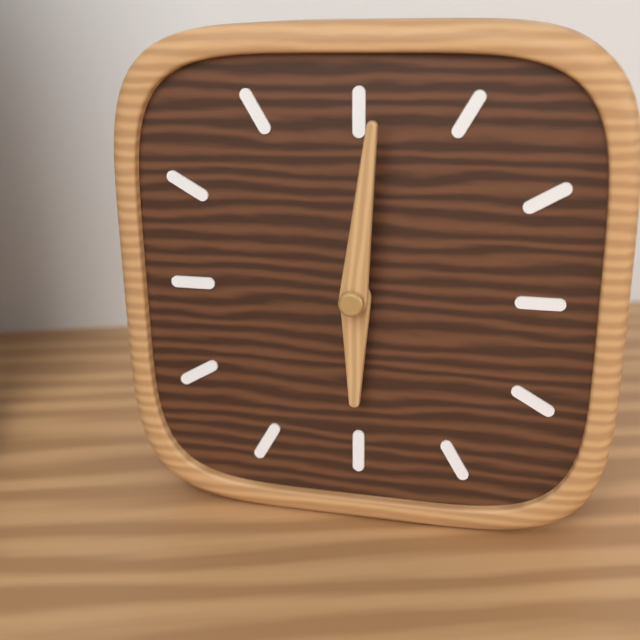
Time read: **6:01**
